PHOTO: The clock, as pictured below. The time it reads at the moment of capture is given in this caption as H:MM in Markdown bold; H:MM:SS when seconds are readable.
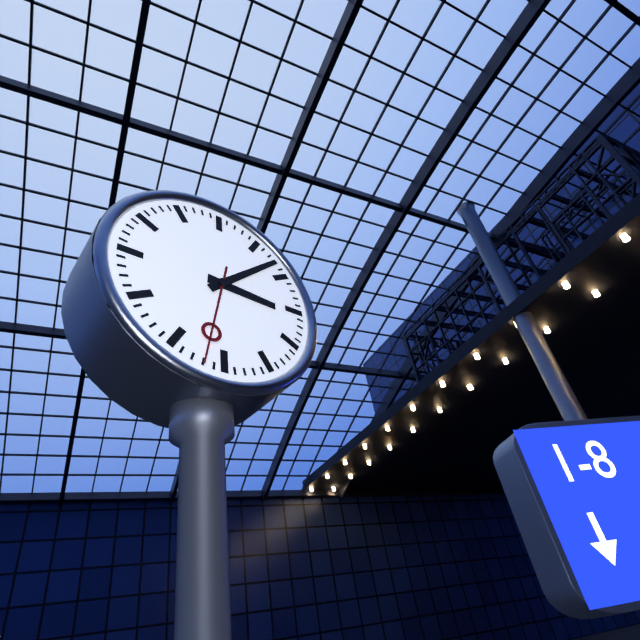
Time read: **3:08:32**
